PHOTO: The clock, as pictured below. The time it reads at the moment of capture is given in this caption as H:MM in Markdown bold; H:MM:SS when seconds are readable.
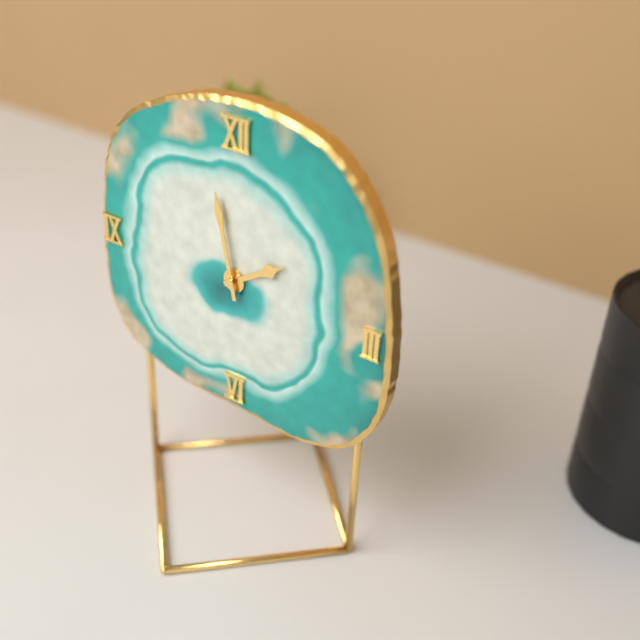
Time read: **1:58**
